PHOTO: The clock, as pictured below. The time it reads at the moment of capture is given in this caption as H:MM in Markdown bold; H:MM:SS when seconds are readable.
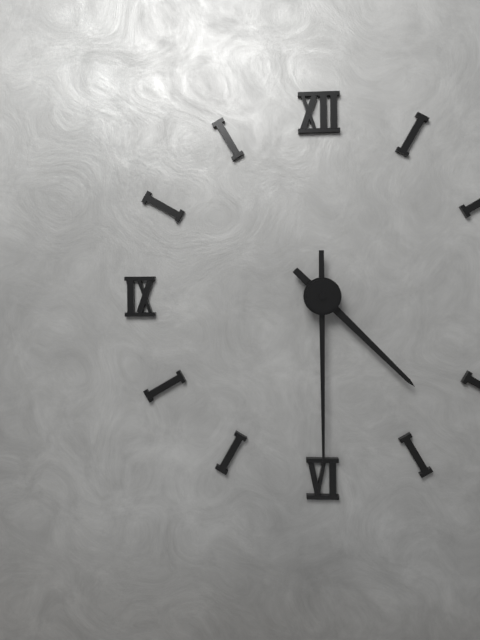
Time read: **4:30**
